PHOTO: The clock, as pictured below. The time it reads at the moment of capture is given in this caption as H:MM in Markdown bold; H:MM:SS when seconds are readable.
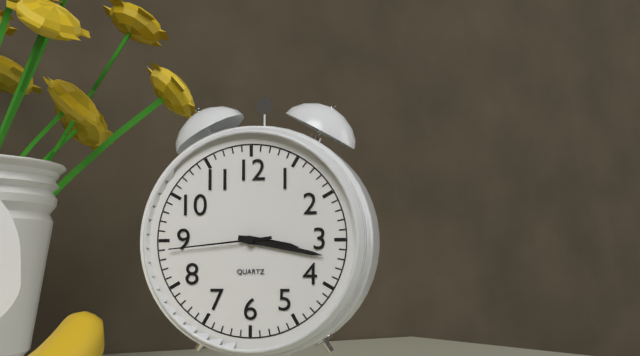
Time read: **3:17:44**
